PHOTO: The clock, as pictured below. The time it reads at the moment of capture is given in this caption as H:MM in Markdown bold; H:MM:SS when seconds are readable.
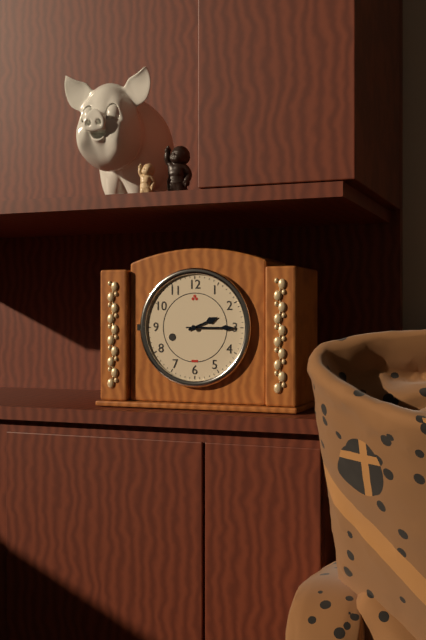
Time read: **2:15**
